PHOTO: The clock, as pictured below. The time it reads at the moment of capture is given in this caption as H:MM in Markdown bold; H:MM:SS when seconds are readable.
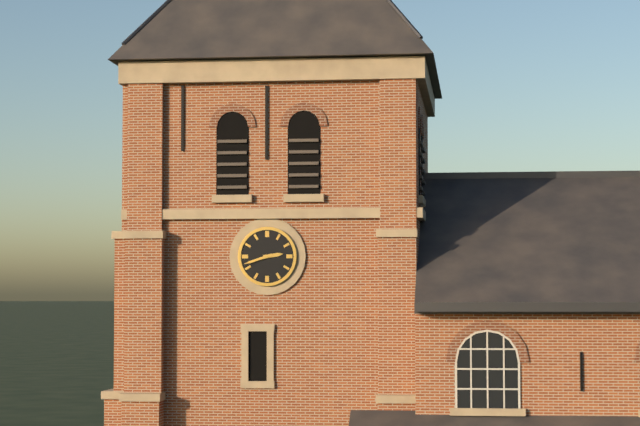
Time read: **2:42**
